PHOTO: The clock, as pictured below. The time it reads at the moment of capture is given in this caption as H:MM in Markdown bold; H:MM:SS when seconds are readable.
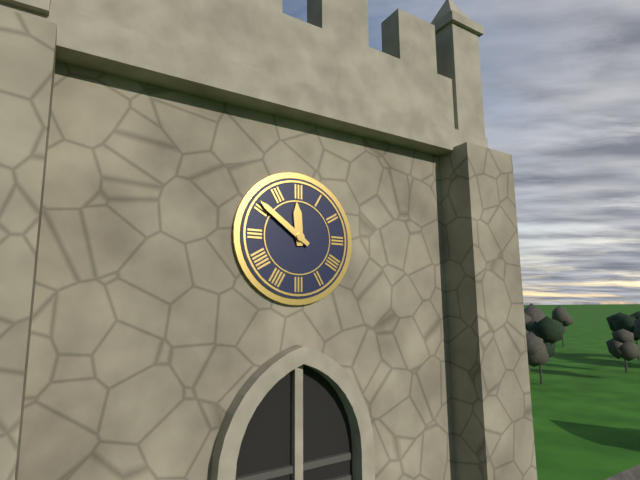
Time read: **11:51**
